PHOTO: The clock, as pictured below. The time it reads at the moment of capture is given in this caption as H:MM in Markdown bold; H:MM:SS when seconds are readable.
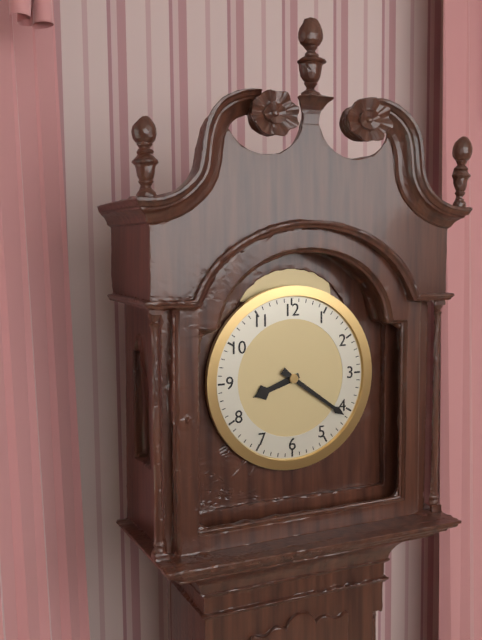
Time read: **8:21**
